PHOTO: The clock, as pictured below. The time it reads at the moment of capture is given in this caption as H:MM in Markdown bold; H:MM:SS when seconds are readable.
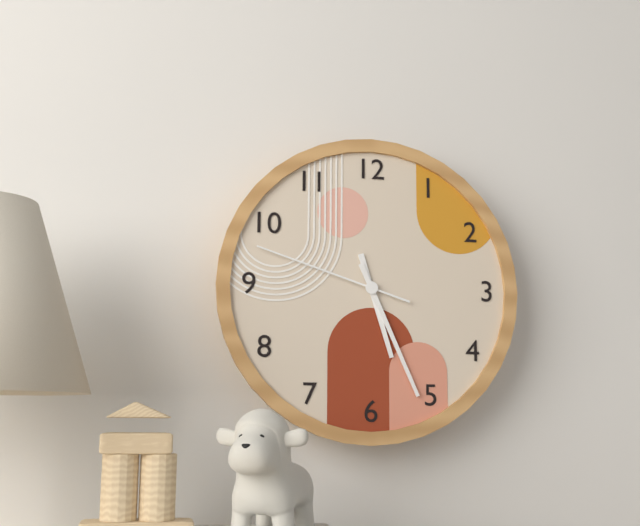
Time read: **5:26:48**
